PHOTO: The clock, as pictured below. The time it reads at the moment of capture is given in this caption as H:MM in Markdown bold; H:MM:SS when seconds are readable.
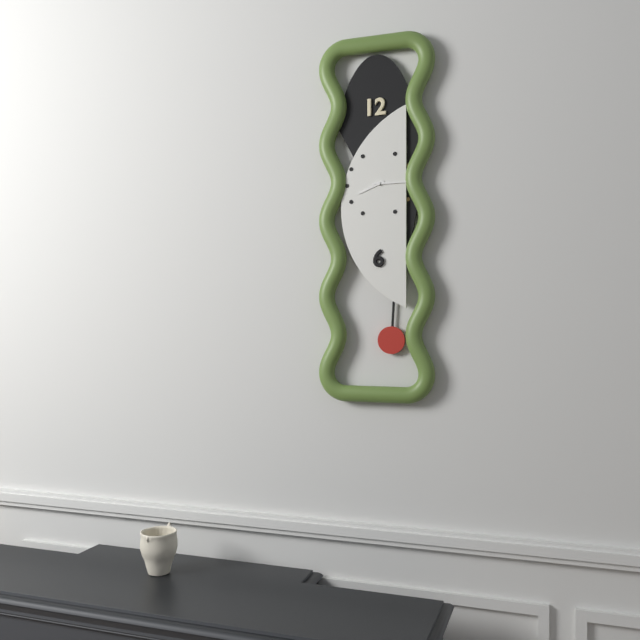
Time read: **8:15**
